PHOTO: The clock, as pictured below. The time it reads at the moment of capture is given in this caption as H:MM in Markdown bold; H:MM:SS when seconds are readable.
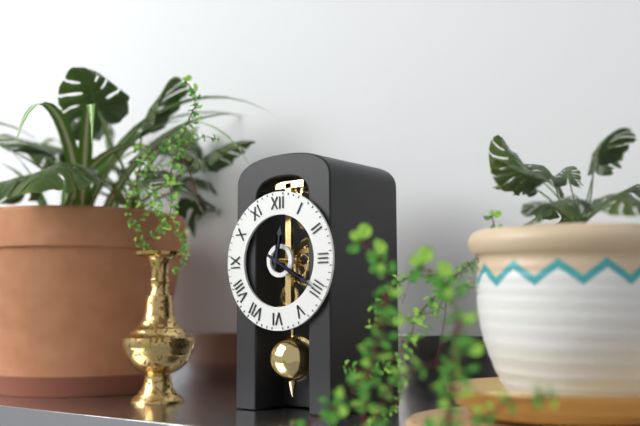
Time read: **12:20**
